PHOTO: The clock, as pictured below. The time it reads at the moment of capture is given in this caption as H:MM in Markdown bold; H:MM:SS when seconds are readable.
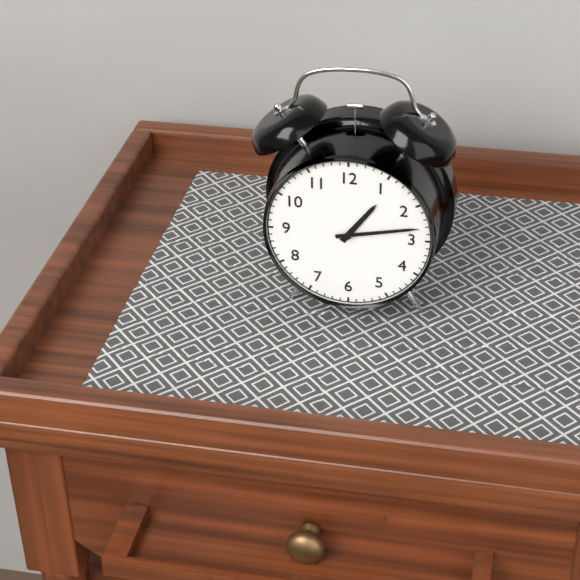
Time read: **1:13**
